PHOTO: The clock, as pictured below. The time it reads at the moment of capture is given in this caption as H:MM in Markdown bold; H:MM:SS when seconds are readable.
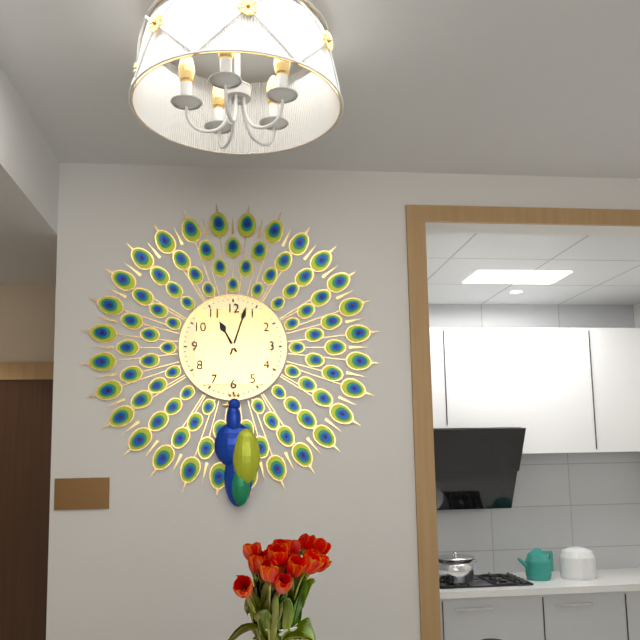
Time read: **11:03**
